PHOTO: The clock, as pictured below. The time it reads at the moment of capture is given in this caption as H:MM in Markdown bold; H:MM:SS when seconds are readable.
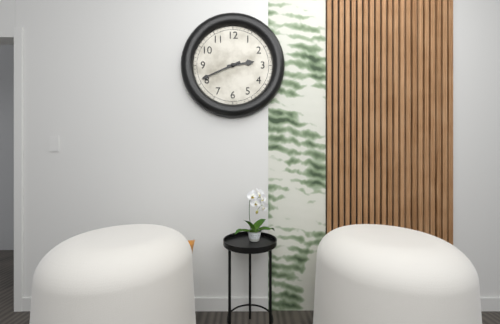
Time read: **2:41**
